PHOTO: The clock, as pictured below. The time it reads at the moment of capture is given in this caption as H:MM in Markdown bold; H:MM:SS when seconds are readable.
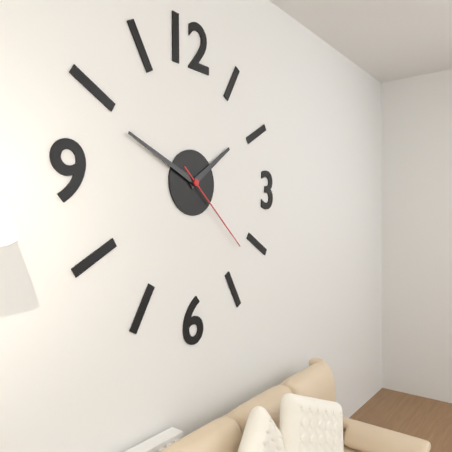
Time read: **1:49:22**
